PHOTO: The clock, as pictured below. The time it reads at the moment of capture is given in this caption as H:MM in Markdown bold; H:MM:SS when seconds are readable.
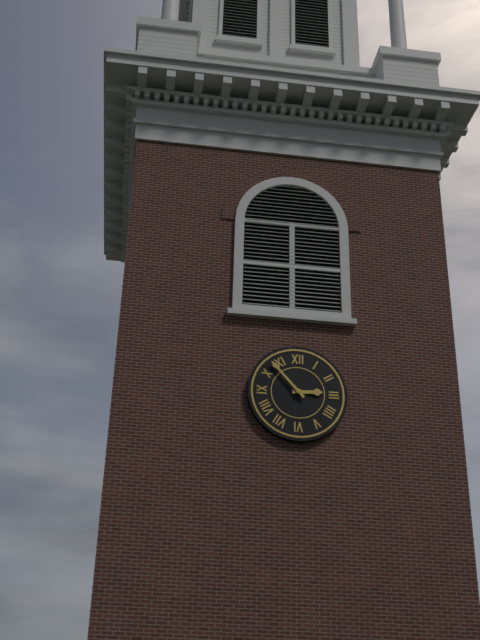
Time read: **2:53**
